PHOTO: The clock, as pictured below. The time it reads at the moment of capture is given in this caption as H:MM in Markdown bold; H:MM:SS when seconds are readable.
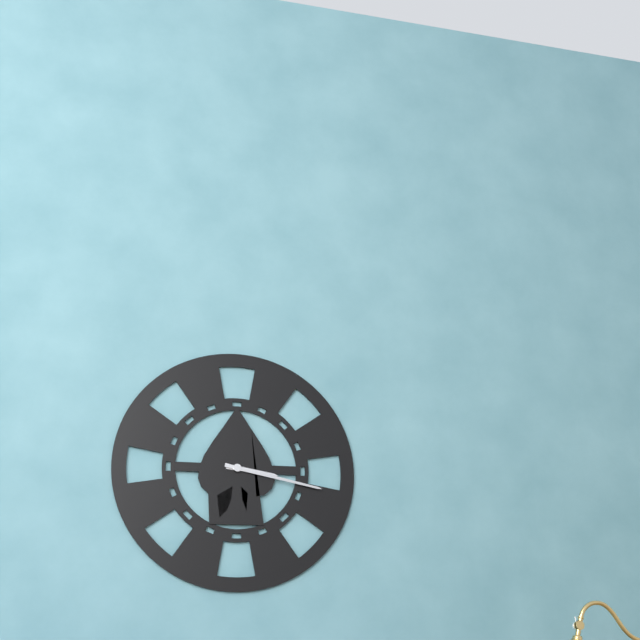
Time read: **3:17**
